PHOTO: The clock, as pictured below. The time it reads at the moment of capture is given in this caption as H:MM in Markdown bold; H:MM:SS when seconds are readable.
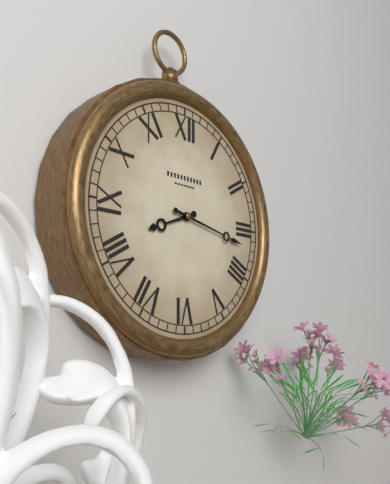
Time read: **8:17**
